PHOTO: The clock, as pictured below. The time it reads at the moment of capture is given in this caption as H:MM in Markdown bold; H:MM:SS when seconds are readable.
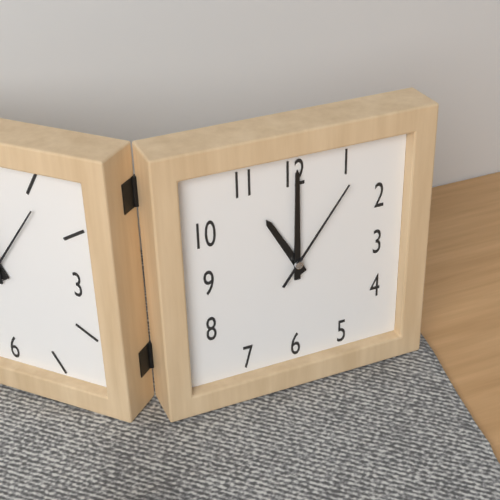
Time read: **11:00:06**
